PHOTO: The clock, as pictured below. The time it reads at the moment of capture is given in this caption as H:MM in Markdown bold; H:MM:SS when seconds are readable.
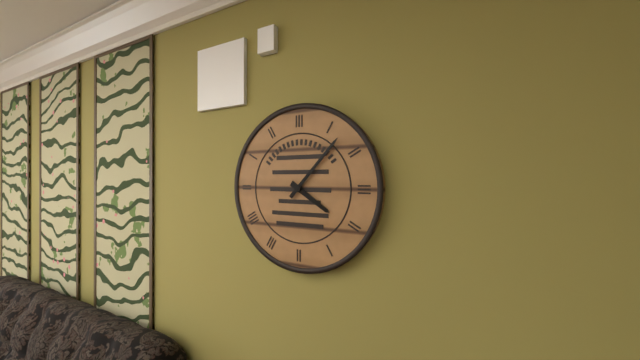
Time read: **4:07**
